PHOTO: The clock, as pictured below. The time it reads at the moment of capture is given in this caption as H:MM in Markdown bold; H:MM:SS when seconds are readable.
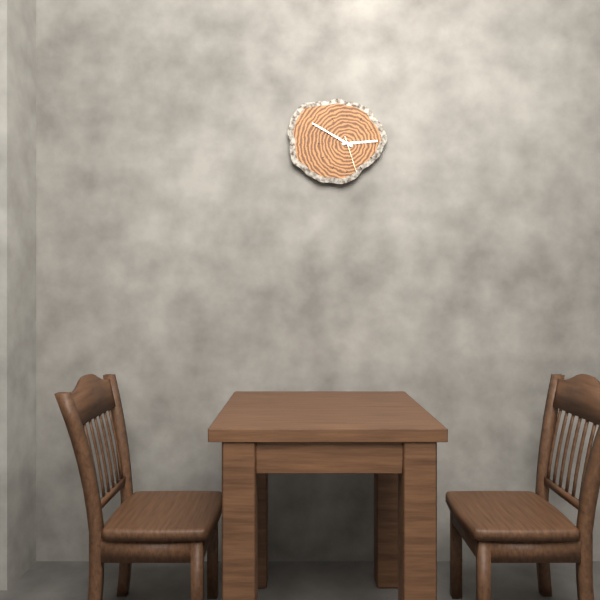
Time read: **2:50**
